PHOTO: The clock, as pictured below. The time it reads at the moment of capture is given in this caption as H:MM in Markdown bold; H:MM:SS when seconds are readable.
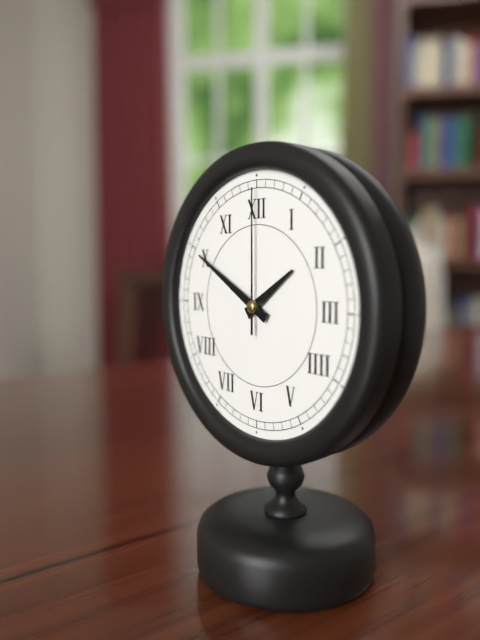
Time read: **1:50:00**
